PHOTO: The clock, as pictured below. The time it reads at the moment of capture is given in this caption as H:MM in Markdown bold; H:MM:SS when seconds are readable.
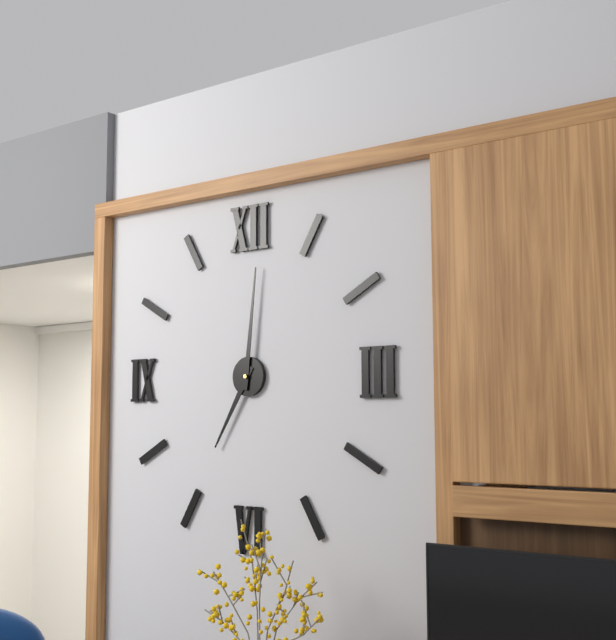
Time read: **7:01**
